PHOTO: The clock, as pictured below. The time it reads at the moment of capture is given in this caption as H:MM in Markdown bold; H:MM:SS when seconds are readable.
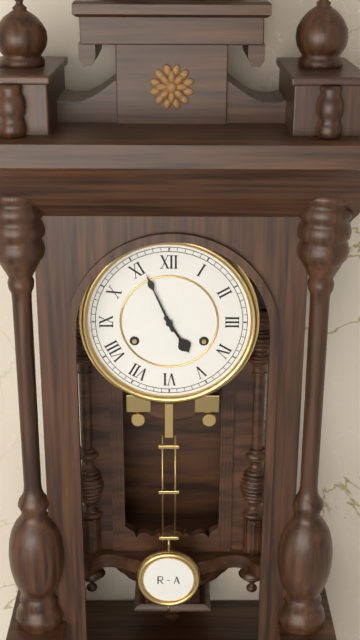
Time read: **4:56**
